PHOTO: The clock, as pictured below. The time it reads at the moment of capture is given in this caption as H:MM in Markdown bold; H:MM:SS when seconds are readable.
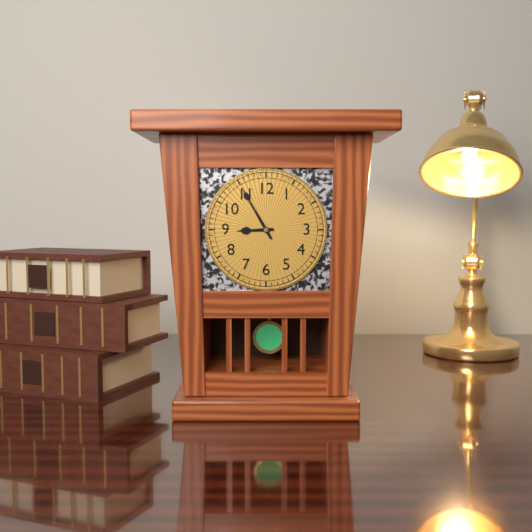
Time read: **8:55**
